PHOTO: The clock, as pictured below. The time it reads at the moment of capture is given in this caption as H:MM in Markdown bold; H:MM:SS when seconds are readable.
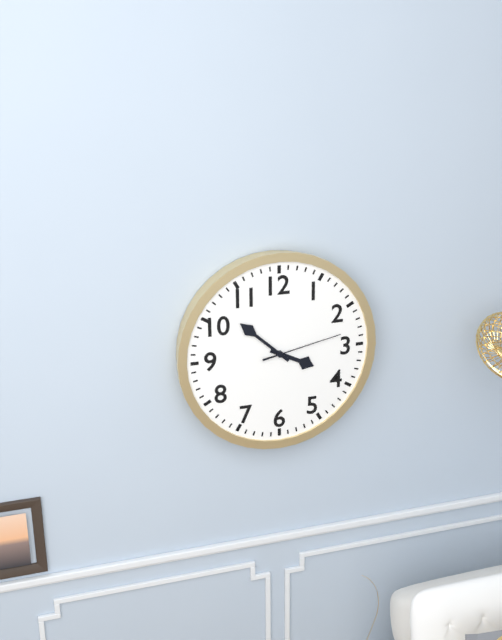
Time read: **3:52:13**
